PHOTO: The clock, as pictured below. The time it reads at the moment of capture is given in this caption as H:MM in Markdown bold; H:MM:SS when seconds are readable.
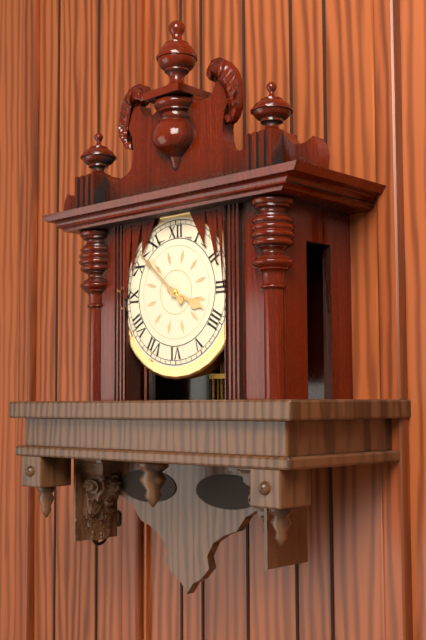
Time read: **3:52**
